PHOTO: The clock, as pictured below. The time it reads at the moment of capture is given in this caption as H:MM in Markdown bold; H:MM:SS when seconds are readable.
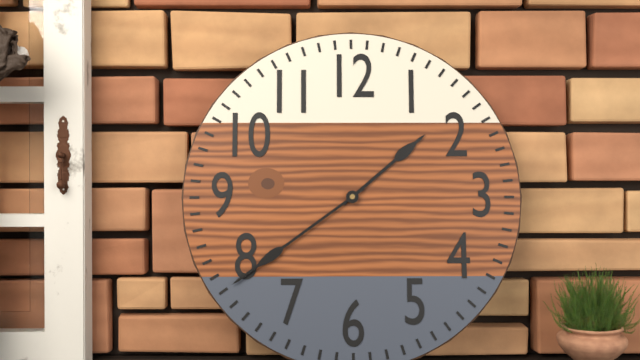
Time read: **1:39**
